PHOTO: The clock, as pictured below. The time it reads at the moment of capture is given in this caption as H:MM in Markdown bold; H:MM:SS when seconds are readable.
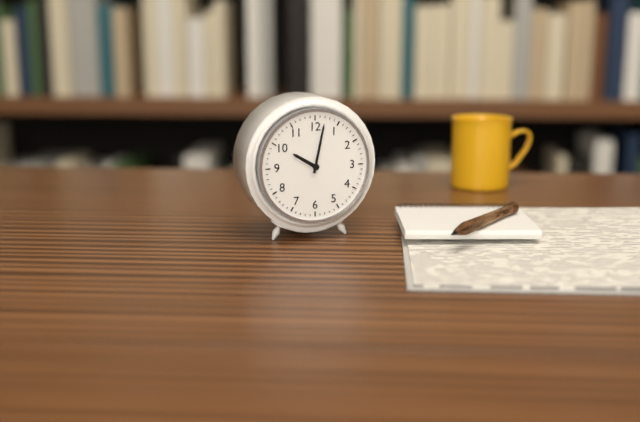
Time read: **10:02**
